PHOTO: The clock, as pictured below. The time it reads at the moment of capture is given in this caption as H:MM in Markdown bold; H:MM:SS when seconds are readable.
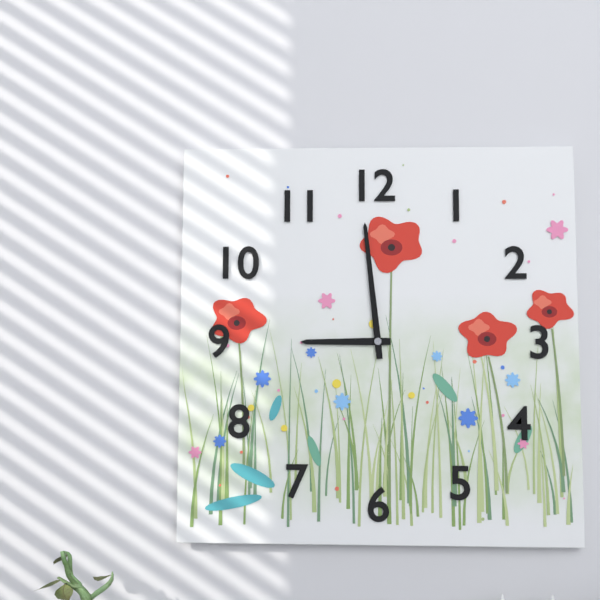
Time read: **8:59**
